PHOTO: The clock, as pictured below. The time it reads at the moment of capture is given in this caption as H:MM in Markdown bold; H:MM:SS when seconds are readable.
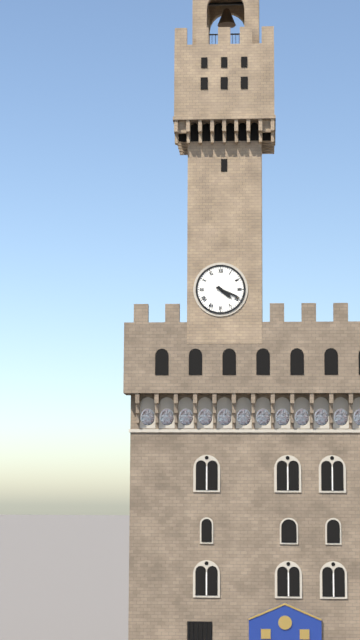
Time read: **4:19**
